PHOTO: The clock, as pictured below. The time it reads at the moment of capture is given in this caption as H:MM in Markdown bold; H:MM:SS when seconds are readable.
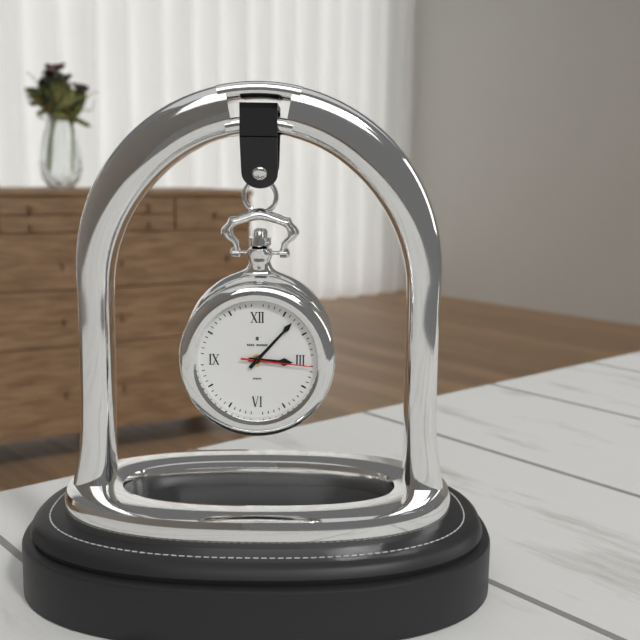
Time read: **3:07:16**
